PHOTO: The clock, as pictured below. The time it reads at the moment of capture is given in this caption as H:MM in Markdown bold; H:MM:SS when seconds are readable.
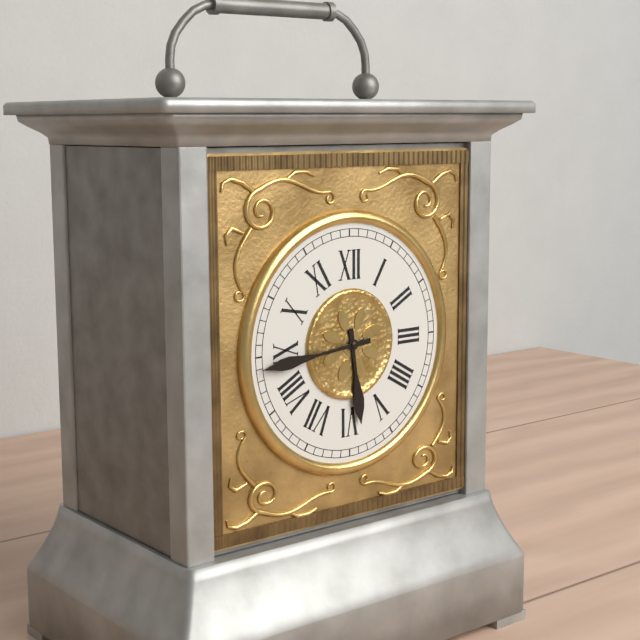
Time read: **5:44**
